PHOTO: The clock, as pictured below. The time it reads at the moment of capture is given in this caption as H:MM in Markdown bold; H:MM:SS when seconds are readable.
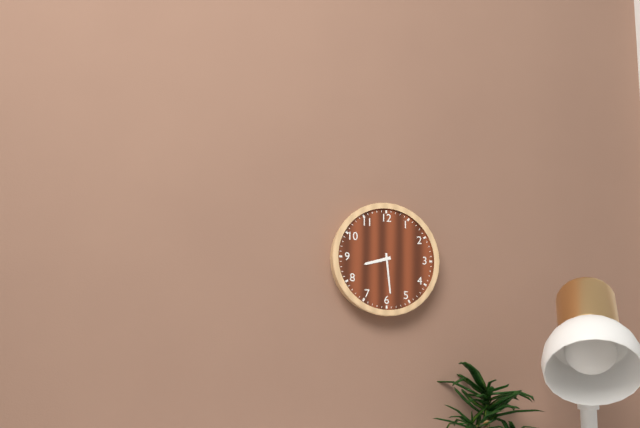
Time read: **8:29**
